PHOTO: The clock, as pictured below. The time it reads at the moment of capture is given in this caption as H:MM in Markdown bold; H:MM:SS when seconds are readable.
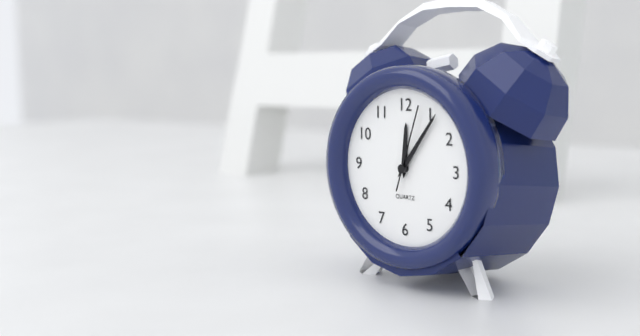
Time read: **12:06:03**
